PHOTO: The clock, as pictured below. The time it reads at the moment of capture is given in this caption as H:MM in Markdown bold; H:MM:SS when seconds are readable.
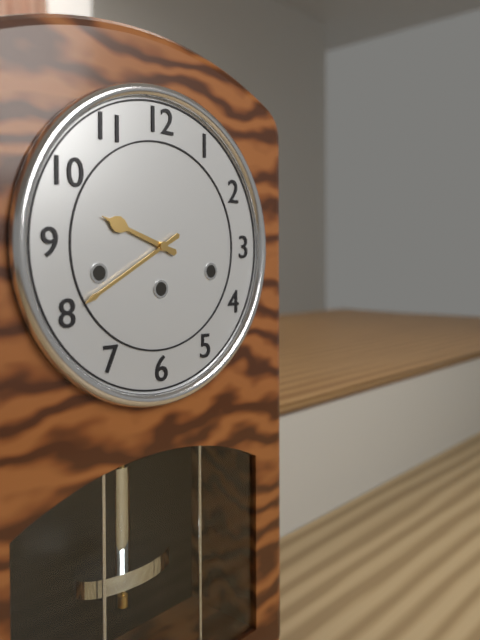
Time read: **9:40**
